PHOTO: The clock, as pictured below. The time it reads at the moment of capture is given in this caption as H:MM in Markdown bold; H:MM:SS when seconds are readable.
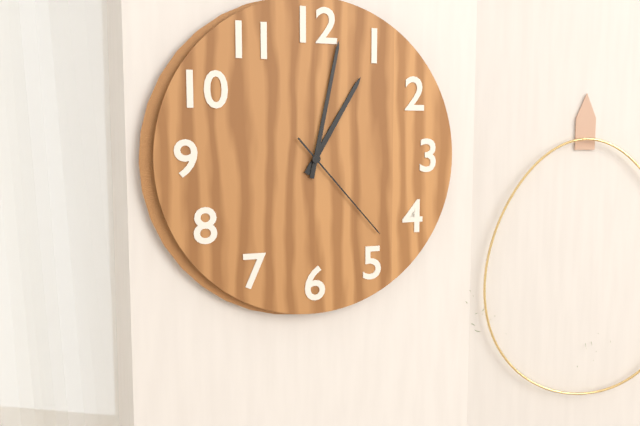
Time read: **1:02:23**
